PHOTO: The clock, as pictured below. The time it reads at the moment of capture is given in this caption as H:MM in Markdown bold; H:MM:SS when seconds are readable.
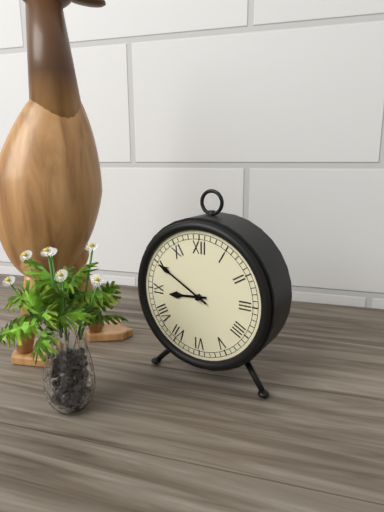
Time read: **8:50**
